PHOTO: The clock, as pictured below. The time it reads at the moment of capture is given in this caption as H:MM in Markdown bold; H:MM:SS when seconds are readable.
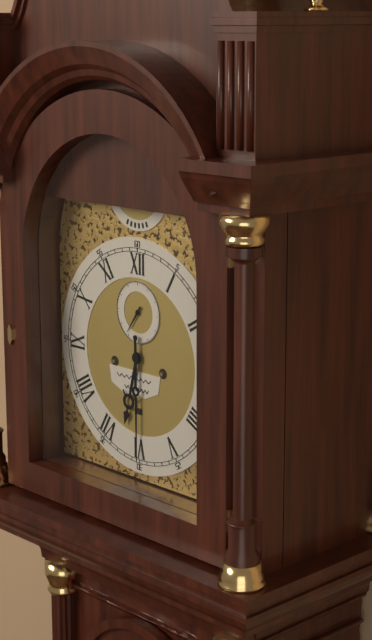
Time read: **6:30**
